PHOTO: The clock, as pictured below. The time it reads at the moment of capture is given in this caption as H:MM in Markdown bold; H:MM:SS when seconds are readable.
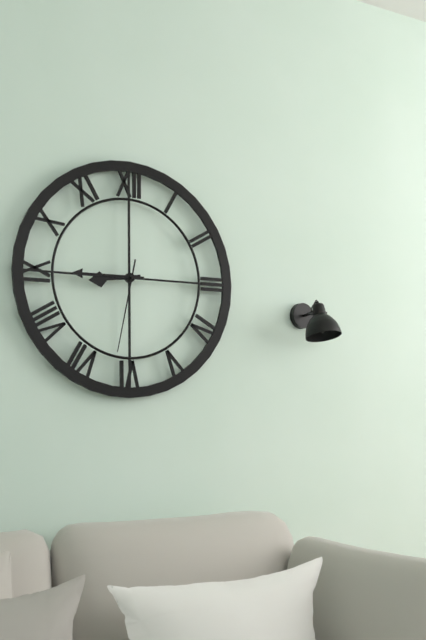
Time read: **8:45:32**
